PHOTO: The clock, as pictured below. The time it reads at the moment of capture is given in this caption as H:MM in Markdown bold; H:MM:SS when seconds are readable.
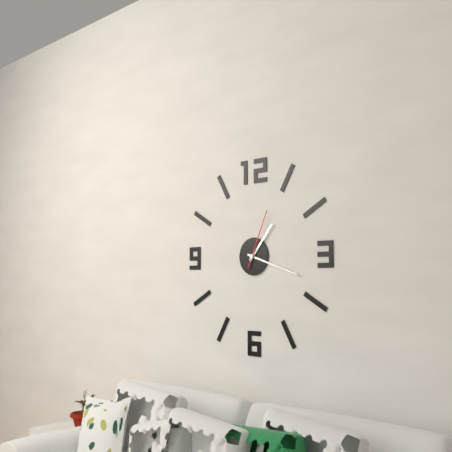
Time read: **1:18:04**
